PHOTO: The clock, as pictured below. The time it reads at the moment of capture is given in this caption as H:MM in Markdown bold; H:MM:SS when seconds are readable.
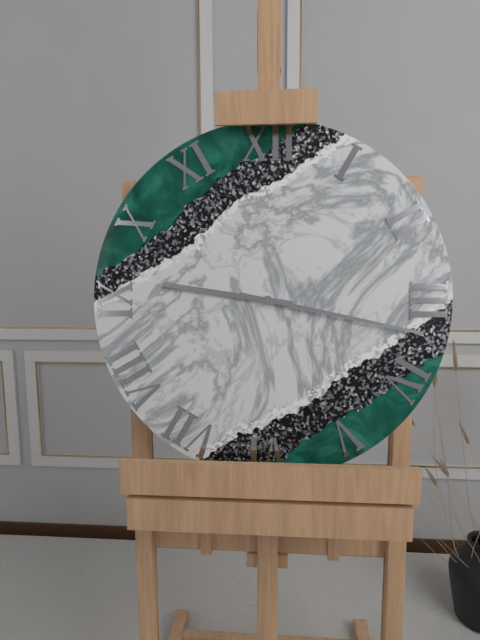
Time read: **9:17**
